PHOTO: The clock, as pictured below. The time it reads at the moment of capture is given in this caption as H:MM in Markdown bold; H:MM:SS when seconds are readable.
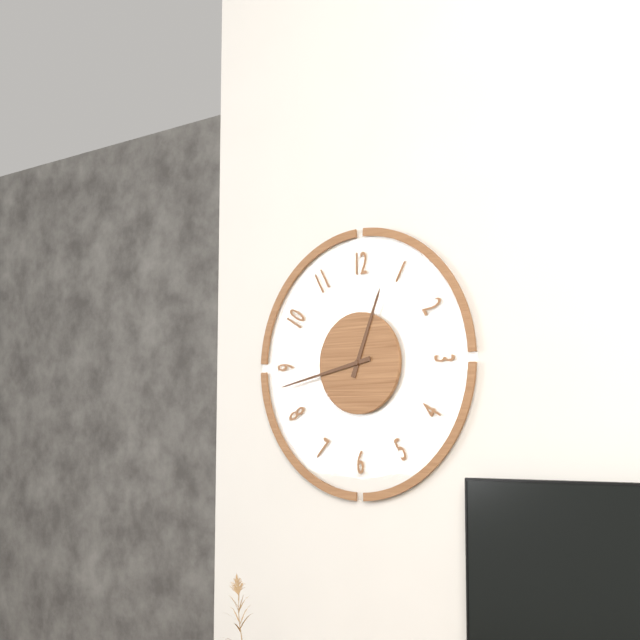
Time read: **12:43**
